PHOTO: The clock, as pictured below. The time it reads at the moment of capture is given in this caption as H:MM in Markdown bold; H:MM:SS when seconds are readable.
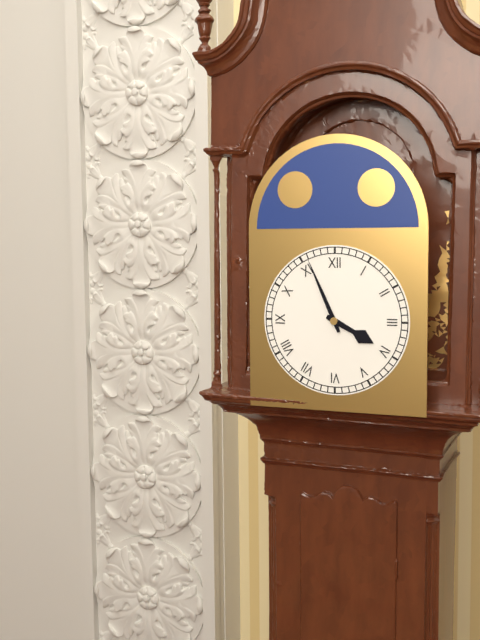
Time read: **3:56**
